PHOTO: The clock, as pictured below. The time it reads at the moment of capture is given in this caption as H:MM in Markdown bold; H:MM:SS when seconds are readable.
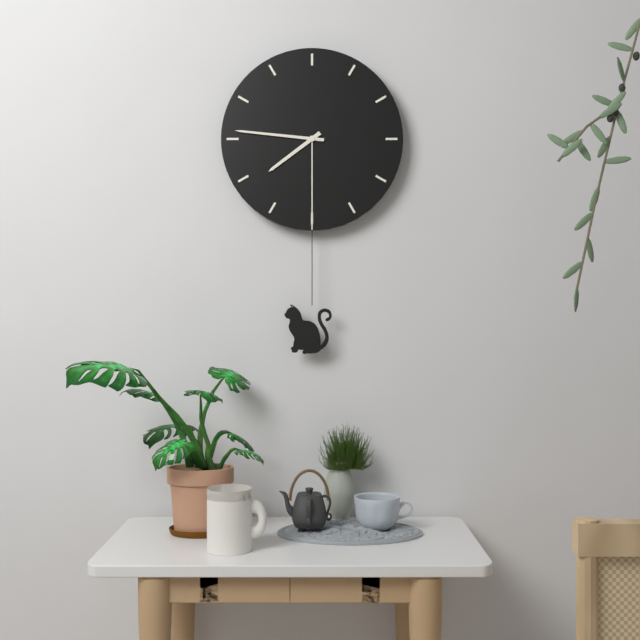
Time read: **7:46**
